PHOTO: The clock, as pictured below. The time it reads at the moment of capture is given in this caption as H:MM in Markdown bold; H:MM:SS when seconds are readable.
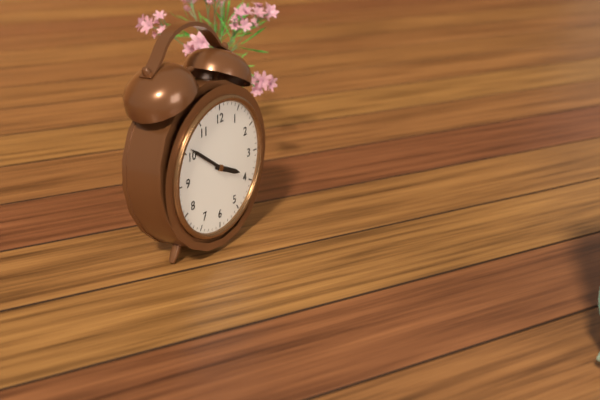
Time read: **3:51**
